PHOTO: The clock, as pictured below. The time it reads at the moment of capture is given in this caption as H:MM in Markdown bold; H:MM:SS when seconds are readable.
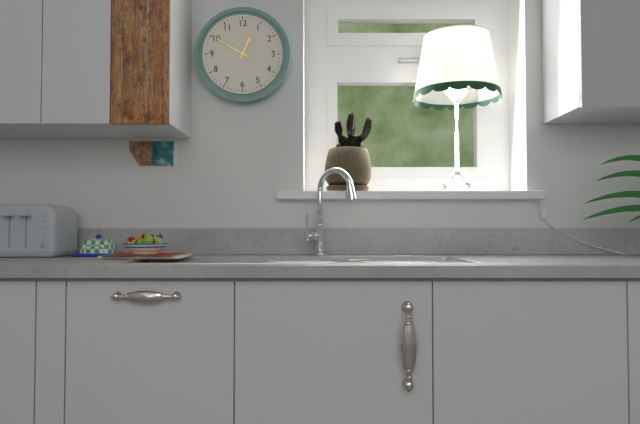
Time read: **12:50**
